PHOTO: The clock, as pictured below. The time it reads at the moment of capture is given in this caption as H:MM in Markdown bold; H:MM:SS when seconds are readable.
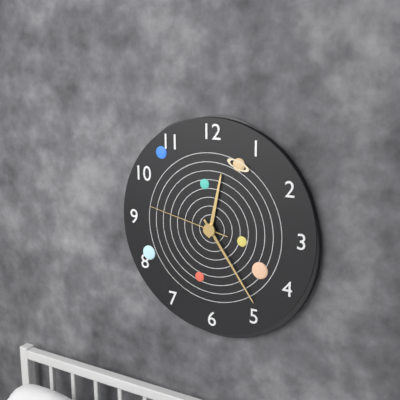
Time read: **12:24:47**
